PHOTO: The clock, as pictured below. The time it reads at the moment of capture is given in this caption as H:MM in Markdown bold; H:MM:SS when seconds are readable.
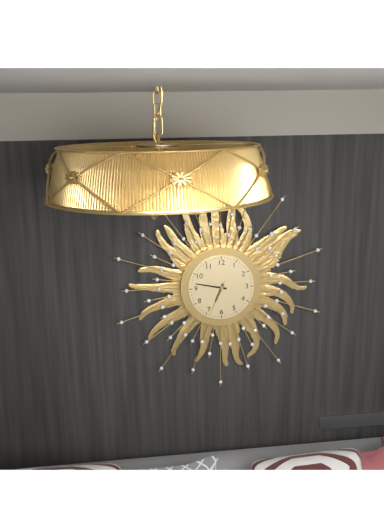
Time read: **6:47**
